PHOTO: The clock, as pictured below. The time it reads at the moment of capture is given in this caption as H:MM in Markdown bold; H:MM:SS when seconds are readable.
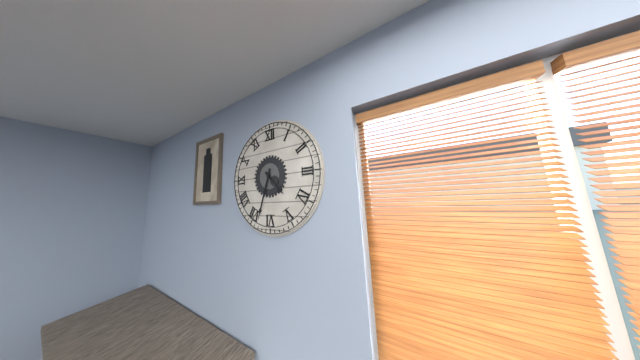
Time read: **4:33**
